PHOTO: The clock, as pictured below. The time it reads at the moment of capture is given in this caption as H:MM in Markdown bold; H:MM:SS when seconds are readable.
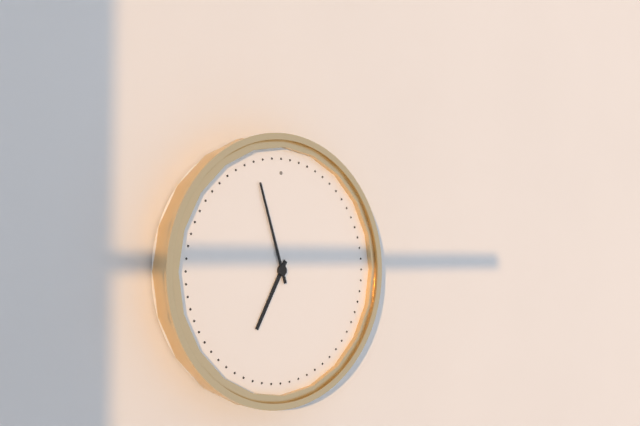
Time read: **6:57**
